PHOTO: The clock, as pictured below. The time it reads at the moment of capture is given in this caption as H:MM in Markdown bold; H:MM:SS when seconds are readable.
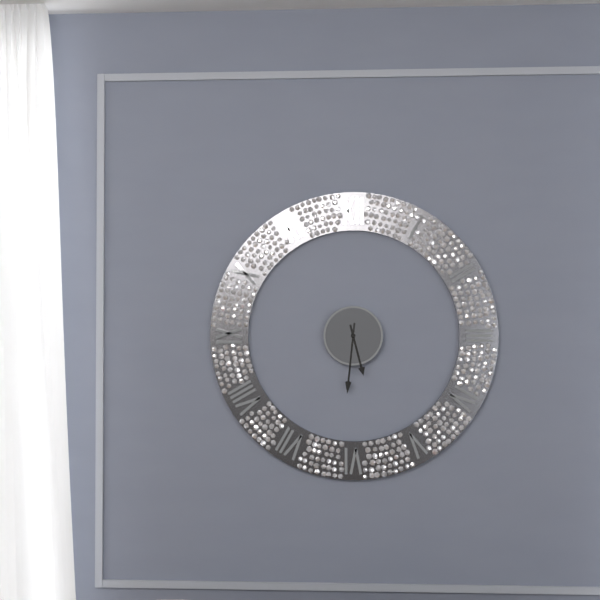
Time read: **5:31**
